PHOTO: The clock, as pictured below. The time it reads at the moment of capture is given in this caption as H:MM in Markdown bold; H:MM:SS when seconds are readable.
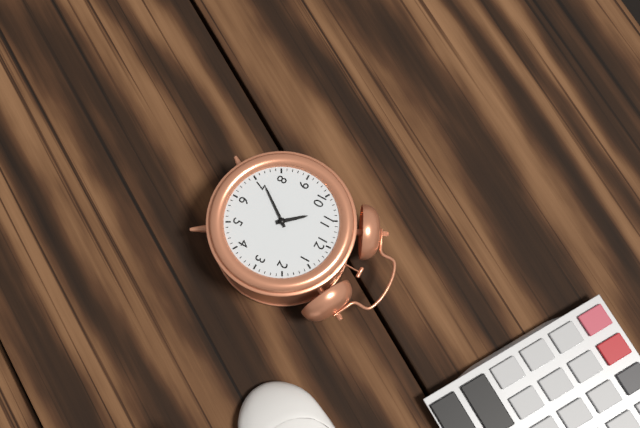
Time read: **10:36**
